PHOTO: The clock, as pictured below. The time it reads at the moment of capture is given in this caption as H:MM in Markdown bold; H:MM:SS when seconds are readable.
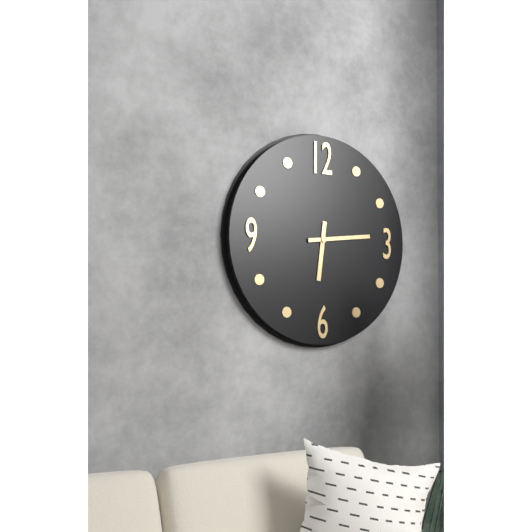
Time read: **6:14**
